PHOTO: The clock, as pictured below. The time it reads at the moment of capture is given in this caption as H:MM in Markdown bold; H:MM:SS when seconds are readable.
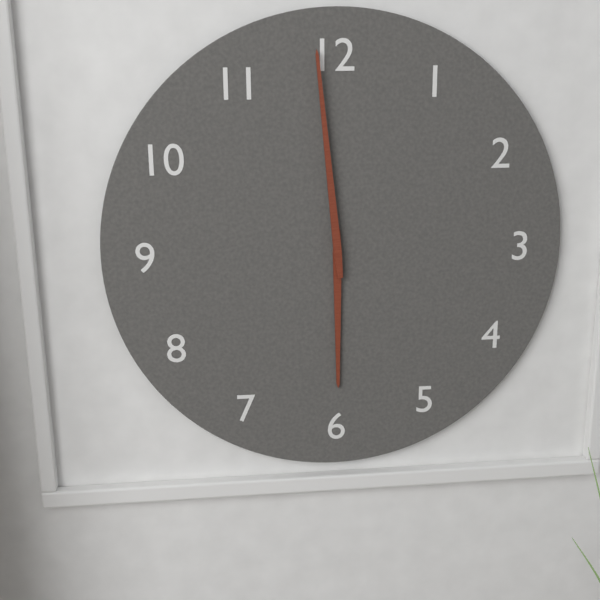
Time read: **5:59**
